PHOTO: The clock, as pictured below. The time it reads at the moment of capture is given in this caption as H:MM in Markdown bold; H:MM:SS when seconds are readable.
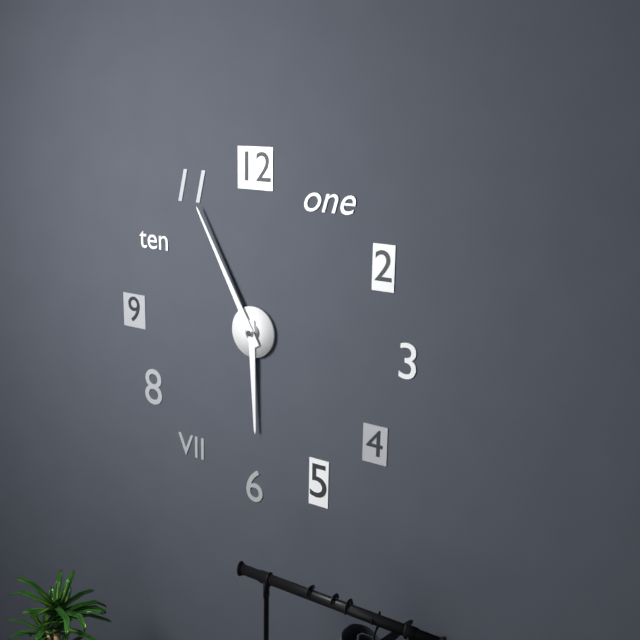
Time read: **5:55**
